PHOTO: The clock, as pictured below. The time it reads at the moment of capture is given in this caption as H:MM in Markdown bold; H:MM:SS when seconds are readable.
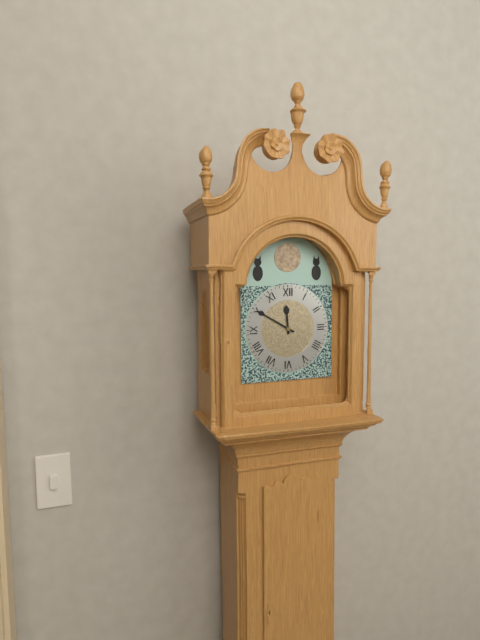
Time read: **11:50**
